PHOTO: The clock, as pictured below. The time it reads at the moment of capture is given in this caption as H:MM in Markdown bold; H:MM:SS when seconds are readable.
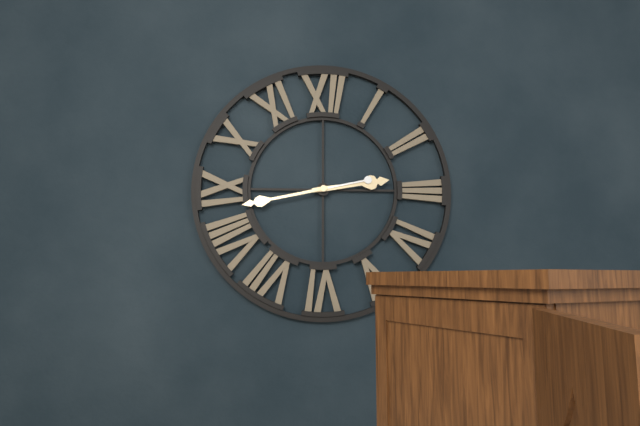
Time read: **2:43**
